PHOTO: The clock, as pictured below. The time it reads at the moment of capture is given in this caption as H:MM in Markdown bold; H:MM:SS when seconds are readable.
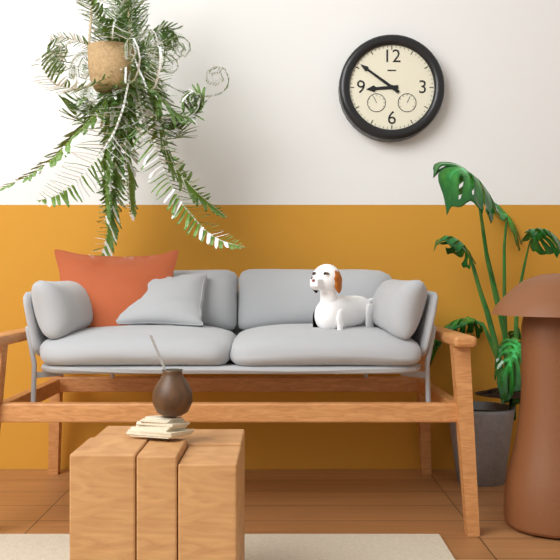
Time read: **8:51**
